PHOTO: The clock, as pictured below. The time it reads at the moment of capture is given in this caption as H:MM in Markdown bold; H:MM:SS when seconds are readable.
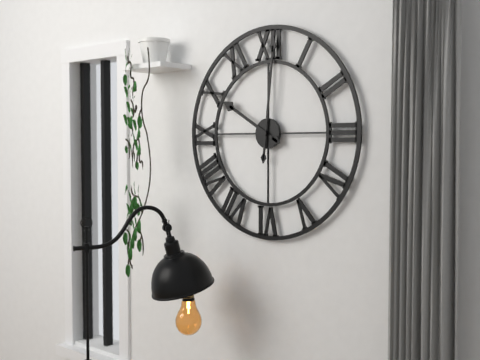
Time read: **10:01**
